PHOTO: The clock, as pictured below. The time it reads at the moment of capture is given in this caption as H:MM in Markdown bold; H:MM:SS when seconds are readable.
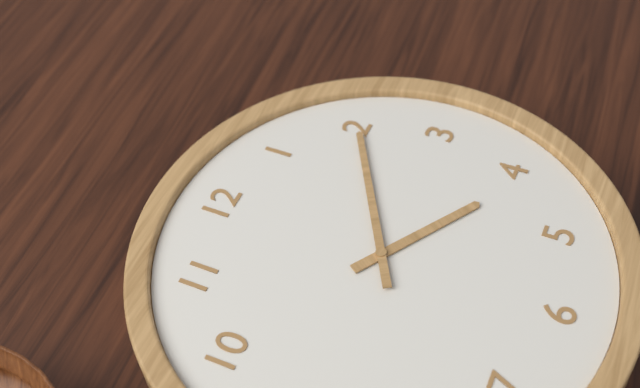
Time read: **4:10**
